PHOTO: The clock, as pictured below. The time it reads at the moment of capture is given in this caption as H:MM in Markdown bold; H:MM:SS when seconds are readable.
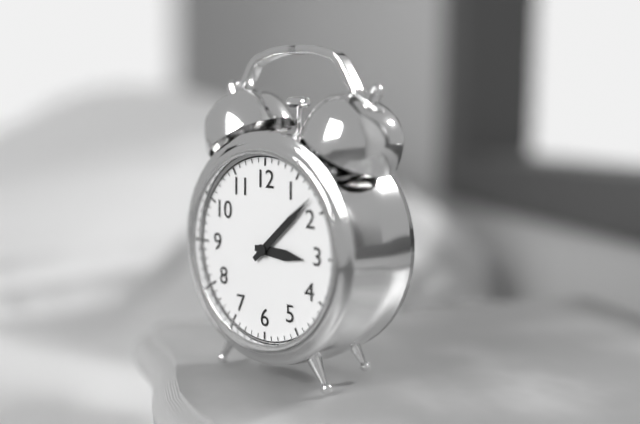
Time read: **3:08**
